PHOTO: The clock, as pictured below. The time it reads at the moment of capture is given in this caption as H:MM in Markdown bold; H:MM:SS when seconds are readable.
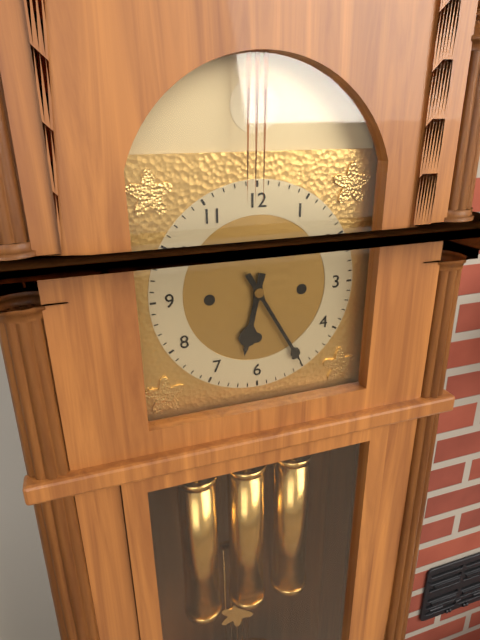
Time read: **6:25**
